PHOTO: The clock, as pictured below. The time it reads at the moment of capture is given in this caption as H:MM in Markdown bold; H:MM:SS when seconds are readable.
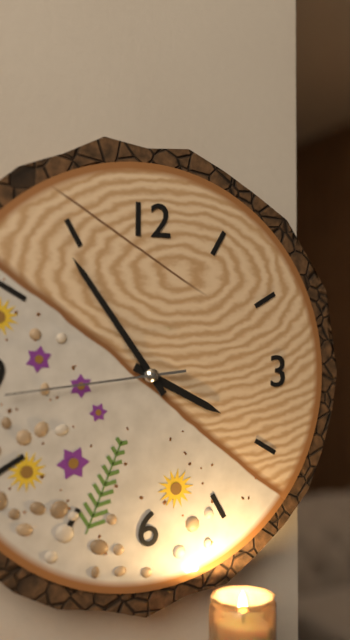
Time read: **3:54:44**
